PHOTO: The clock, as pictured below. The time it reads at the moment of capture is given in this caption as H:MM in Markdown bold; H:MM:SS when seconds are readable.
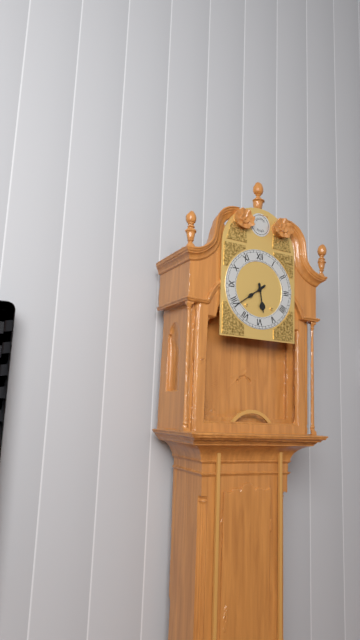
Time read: **5:39**
